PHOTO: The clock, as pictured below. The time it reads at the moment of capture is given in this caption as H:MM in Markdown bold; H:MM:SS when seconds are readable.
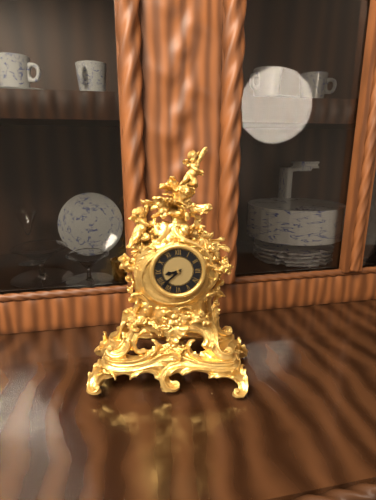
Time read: **8:38**
